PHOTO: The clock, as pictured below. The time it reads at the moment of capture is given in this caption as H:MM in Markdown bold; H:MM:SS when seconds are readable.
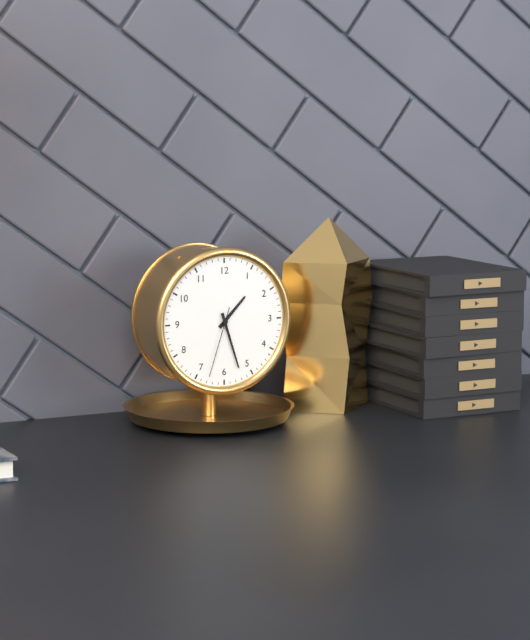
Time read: **1:27:33**
